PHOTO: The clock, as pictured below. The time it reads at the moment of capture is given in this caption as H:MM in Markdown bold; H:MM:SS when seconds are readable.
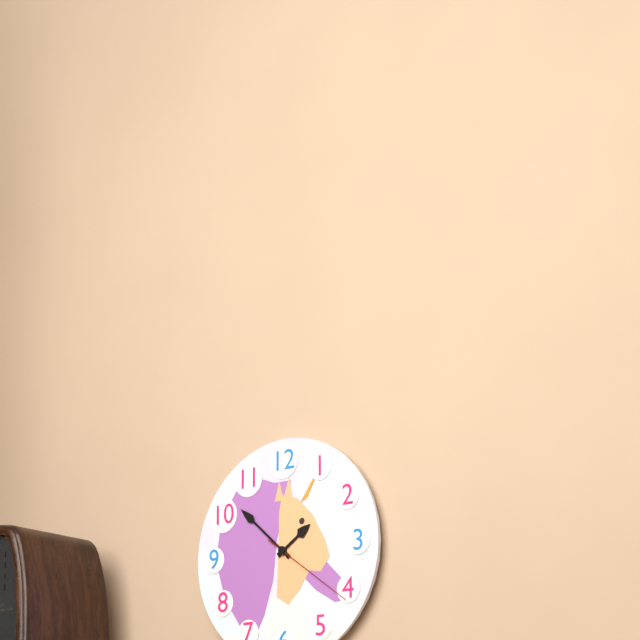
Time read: **1:52:21**
